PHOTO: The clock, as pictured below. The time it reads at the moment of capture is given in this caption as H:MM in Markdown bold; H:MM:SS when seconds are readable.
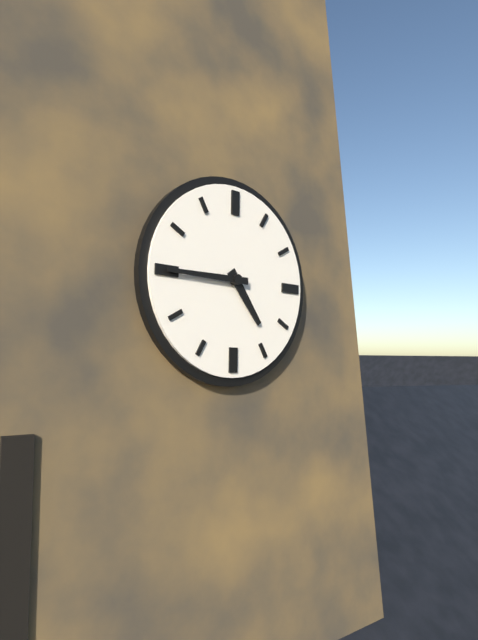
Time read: **4:45**
